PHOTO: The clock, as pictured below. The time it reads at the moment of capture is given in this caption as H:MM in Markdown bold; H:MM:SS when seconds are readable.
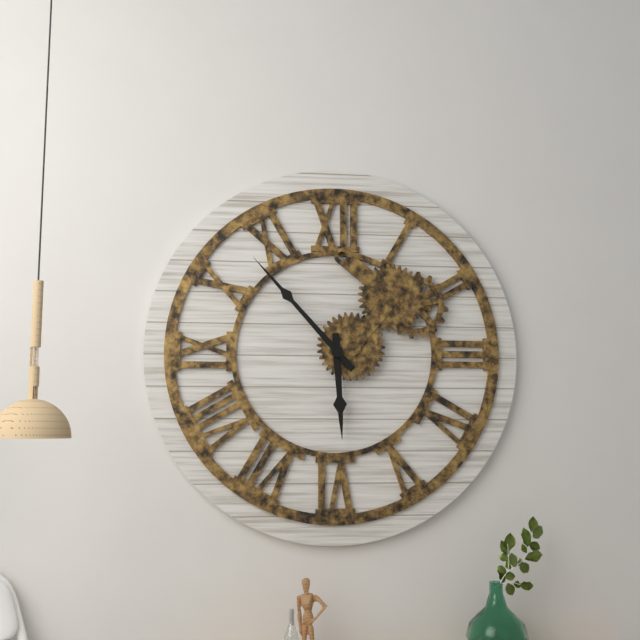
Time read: **5:53**
